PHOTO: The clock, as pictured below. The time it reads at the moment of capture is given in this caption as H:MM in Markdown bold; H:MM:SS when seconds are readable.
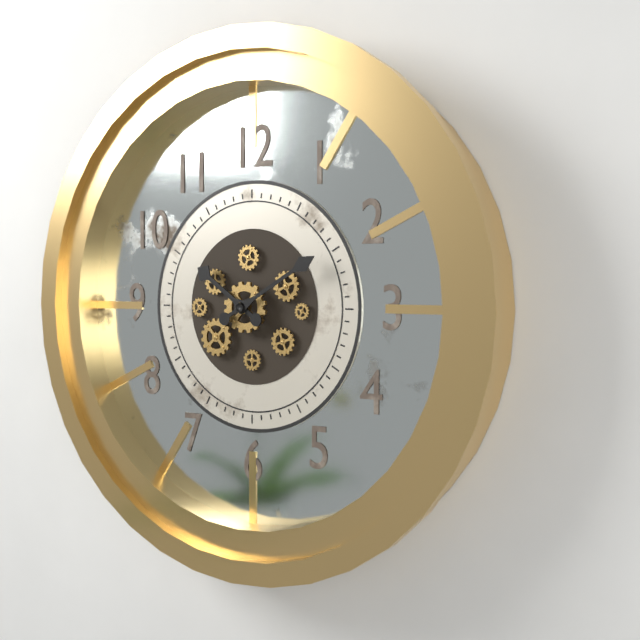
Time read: **10:10**
